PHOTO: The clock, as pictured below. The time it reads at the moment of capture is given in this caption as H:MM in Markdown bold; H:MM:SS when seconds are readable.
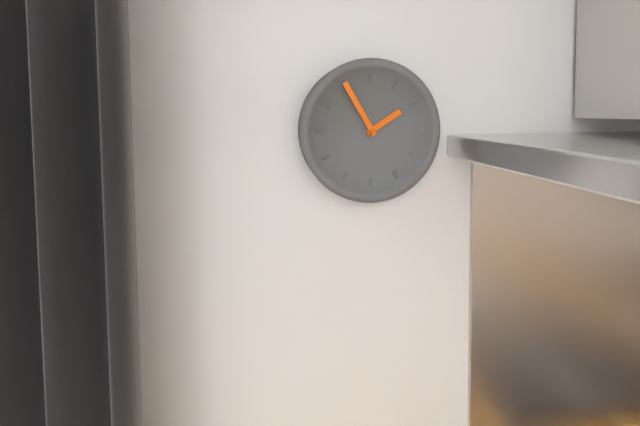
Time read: **1:55**
